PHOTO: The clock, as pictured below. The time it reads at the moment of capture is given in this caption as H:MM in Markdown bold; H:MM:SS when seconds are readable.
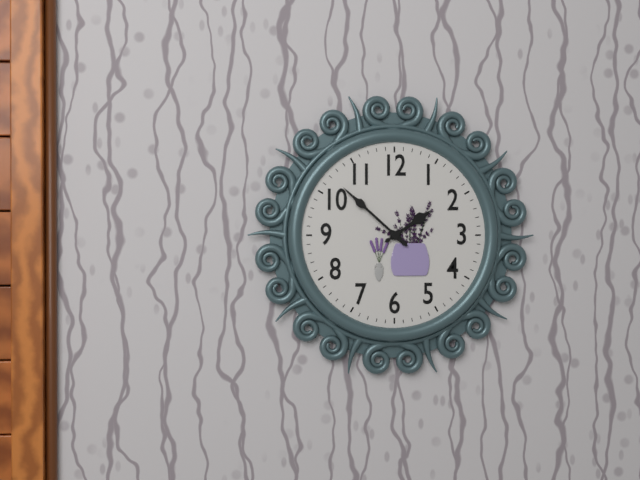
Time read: **1:52**
